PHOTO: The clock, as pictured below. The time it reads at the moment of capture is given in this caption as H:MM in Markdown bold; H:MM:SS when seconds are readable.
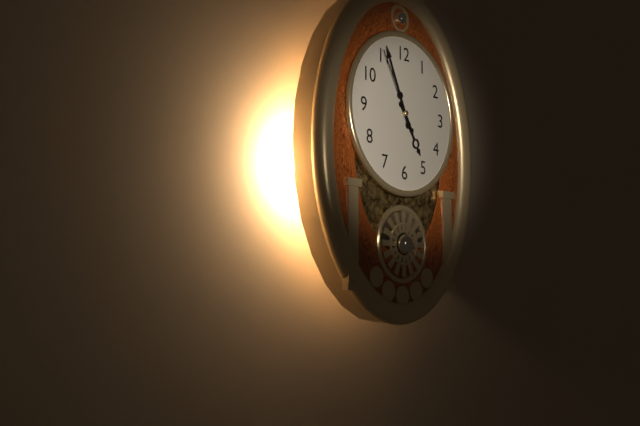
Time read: **4:56:55**
